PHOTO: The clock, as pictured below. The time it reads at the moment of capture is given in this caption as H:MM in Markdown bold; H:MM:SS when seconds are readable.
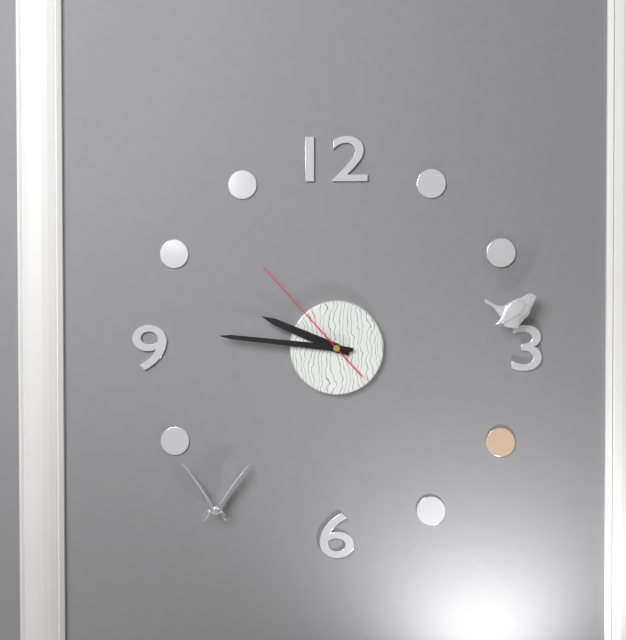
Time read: **9:46:53**
